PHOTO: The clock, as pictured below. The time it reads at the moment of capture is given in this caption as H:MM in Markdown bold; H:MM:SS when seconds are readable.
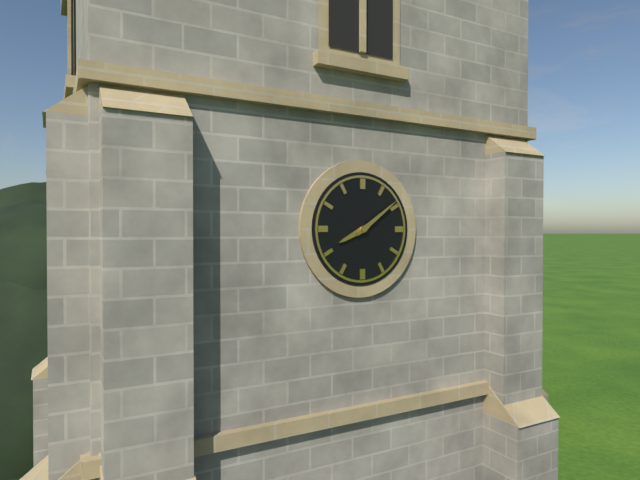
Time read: **8:09**
